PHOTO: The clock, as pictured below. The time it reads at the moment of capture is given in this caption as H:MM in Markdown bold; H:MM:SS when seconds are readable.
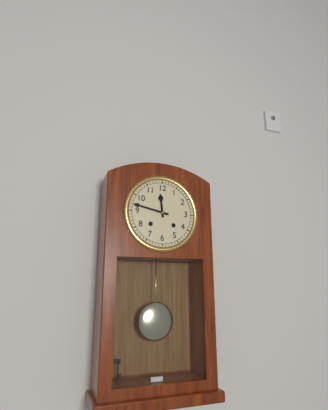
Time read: **11:47**
